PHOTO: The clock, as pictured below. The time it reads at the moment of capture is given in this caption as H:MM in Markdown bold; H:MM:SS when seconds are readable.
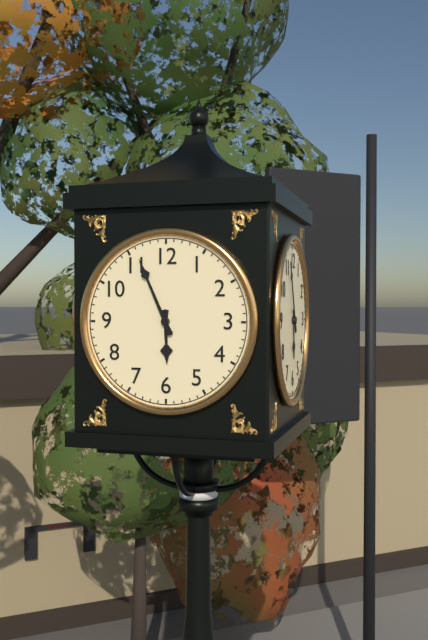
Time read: **5:56**
